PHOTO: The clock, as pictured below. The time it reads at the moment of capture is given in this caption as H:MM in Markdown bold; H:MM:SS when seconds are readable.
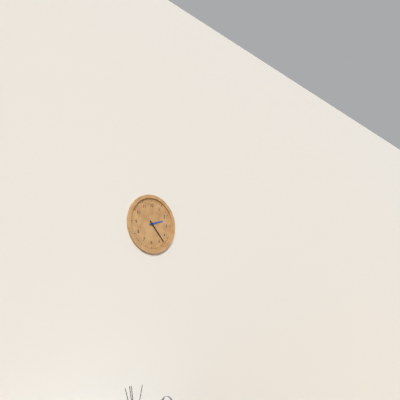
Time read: **2:23**
